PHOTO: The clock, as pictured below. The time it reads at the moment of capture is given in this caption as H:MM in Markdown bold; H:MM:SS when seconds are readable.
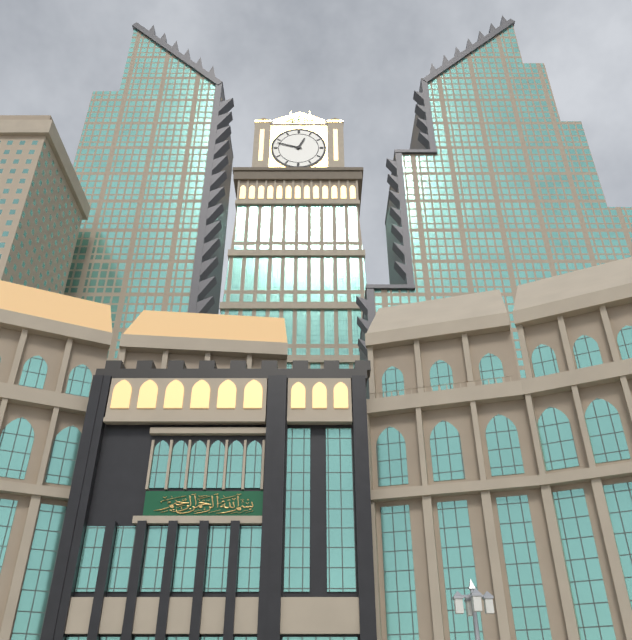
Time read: **12:48**
